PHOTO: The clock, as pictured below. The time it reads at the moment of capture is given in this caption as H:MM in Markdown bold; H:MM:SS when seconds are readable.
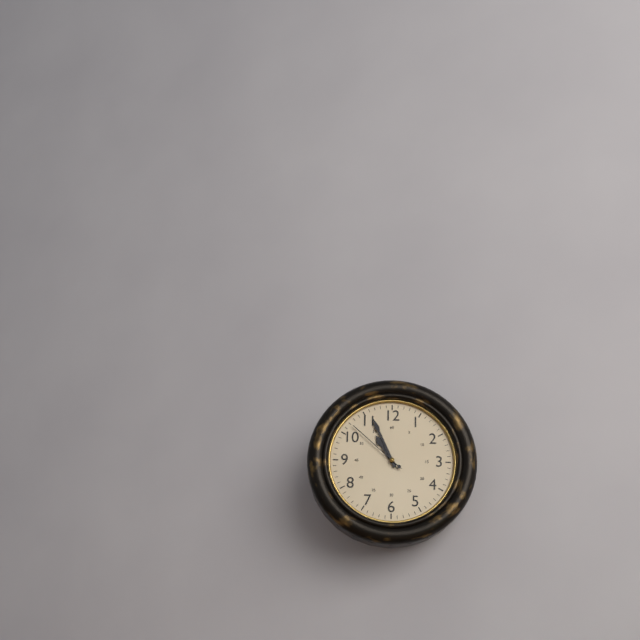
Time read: **10:56:52**
